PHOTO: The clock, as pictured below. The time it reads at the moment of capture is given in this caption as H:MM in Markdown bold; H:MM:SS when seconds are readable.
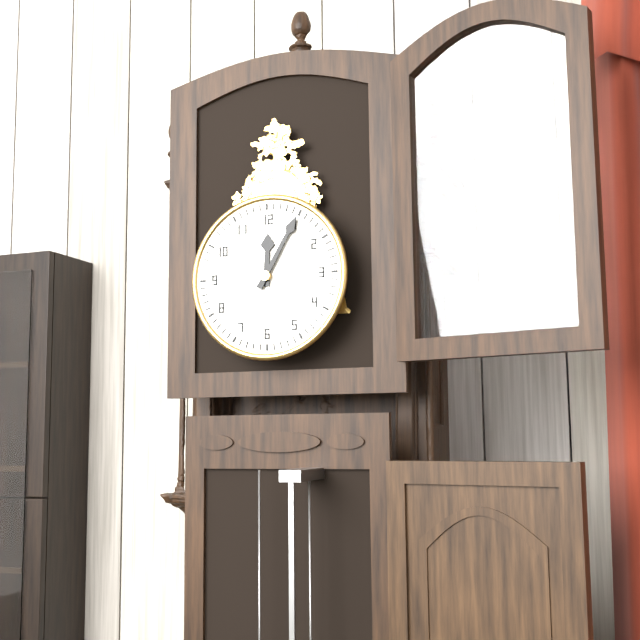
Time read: **12:05**
